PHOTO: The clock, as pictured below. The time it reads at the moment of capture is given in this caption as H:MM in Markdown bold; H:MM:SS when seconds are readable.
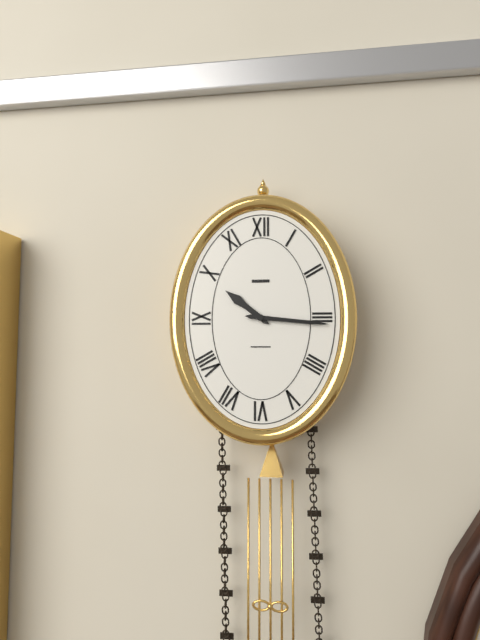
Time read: **10:16**
